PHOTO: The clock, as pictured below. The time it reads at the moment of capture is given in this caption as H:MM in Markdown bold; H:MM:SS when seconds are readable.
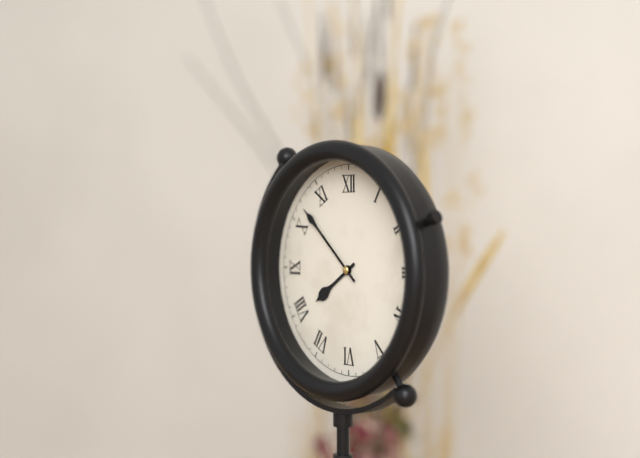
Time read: **7:52**
